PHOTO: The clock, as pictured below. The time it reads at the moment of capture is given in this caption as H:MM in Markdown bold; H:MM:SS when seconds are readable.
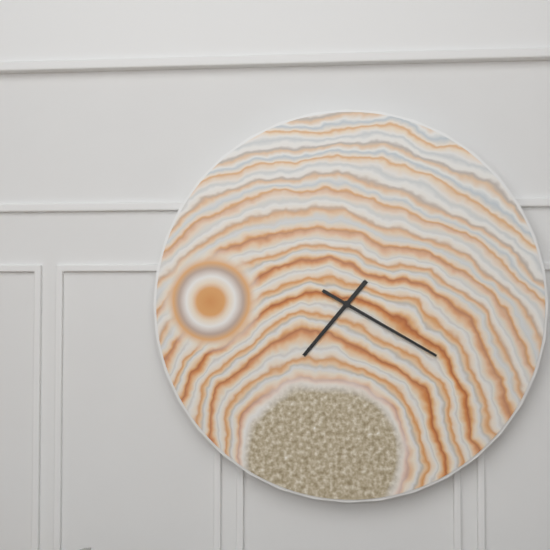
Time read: **7:20**
